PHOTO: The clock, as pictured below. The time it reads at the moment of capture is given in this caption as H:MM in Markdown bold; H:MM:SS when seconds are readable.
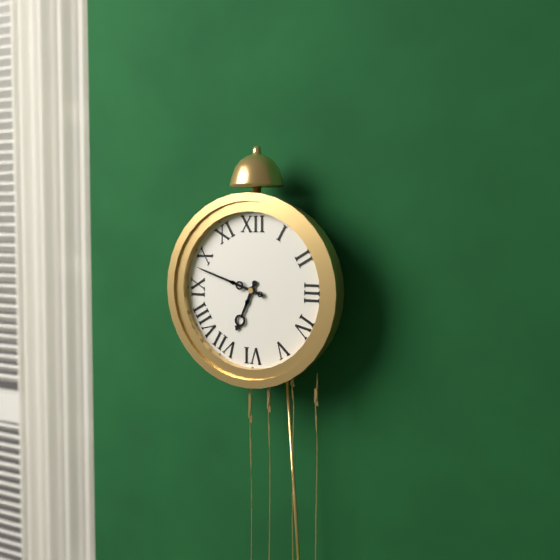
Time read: **6:48**
